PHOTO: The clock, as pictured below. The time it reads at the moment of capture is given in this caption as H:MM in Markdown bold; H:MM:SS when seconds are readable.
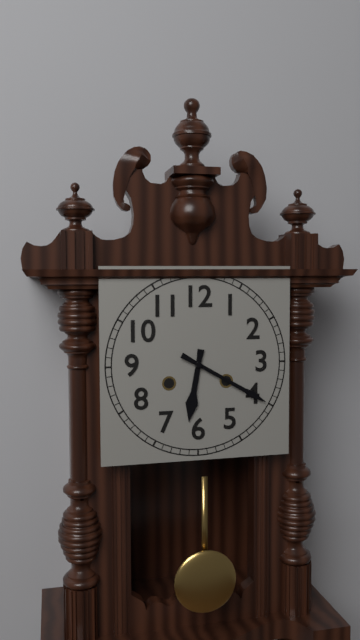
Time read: **6:20**
